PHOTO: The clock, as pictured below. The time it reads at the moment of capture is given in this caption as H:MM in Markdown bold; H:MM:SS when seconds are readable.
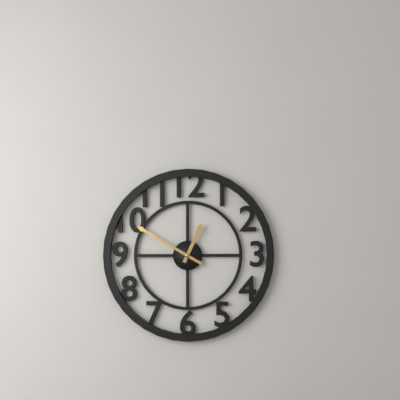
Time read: **12:50**
